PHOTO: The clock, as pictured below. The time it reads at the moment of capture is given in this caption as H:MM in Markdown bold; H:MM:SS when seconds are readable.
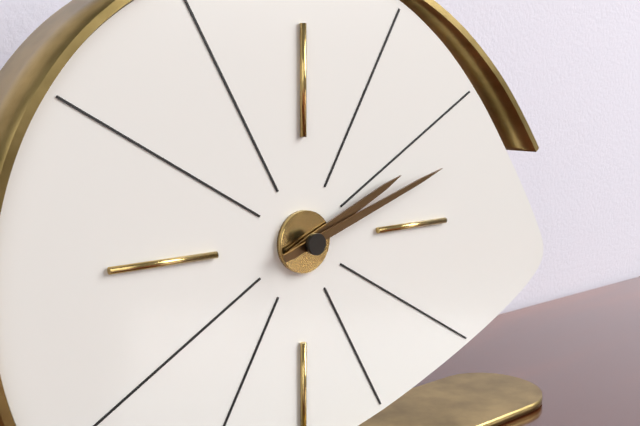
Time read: **2:12**
